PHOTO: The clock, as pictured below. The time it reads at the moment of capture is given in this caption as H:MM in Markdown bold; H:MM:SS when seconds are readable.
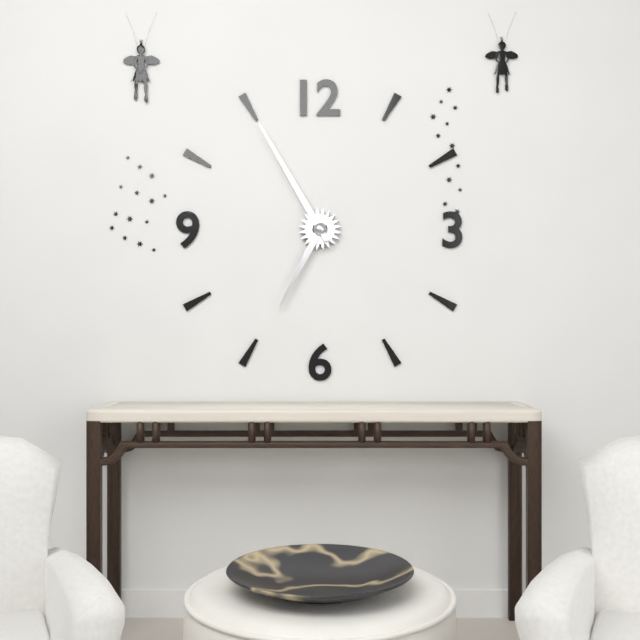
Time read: **6:55**
